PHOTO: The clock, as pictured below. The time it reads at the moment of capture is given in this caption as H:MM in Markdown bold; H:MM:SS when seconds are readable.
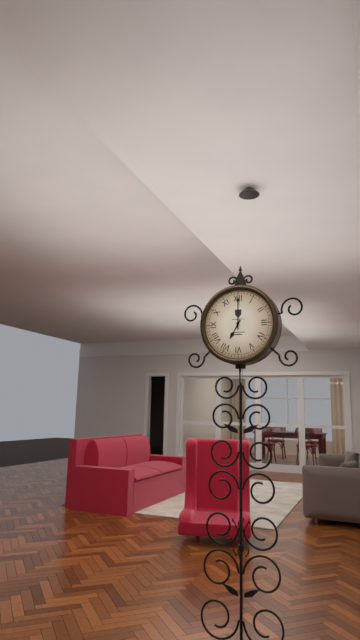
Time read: **7:00**
